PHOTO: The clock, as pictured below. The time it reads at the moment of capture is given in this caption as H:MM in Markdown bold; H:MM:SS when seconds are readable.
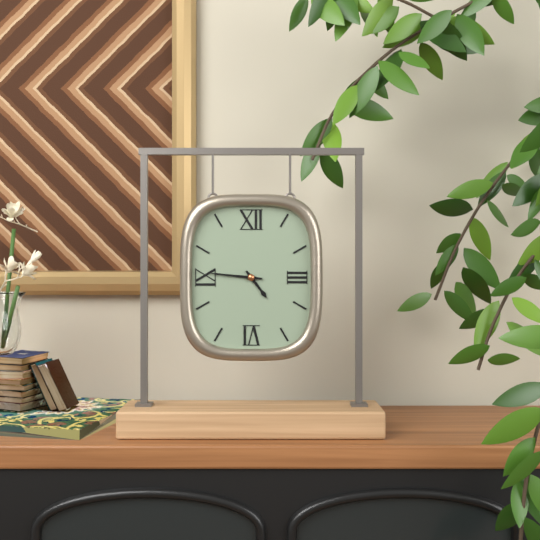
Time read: **4:46**
